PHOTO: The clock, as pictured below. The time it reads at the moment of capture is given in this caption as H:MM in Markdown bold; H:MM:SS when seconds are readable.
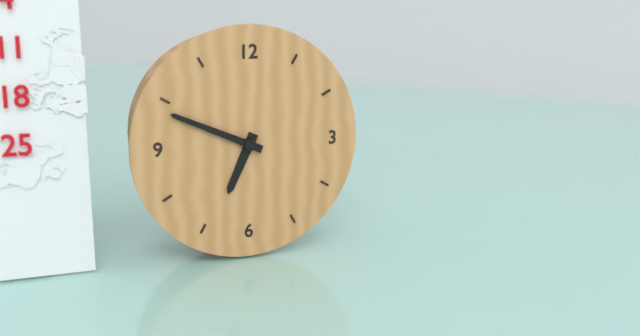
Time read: **6:49**
